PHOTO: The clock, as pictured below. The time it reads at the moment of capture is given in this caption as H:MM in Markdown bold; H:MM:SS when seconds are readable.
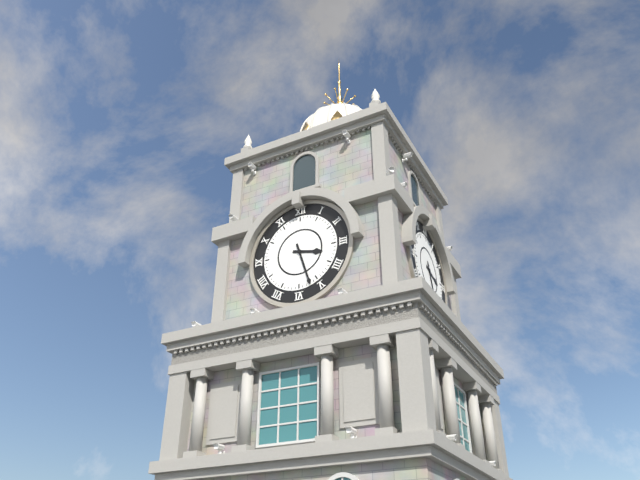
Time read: **3:27**
